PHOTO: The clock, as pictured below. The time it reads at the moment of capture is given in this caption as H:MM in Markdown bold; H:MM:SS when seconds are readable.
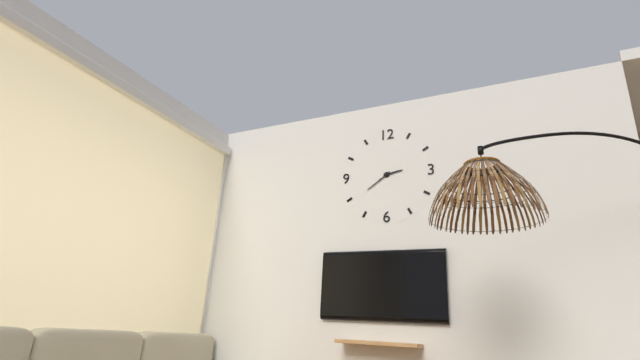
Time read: **2:39**
